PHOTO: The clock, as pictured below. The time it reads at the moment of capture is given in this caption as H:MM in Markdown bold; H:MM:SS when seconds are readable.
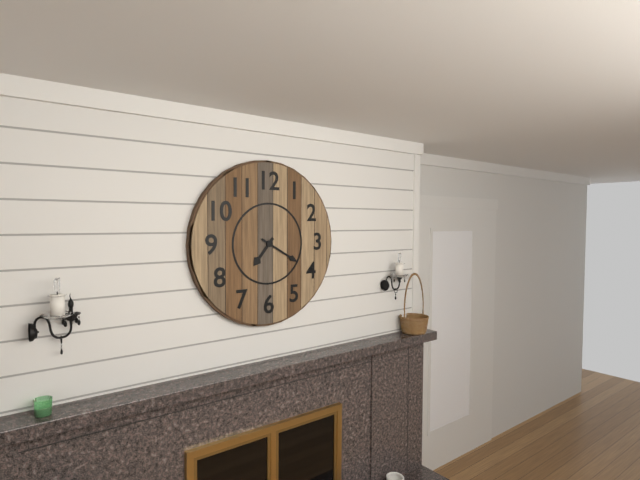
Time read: **7:20**
